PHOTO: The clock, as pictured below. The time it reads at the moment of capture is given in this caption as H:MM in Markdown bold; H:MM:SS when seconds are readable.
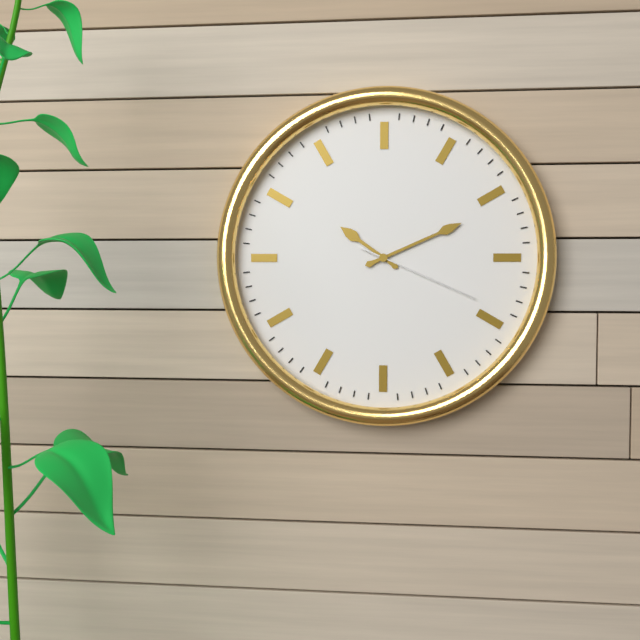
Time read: **10:11:19**
